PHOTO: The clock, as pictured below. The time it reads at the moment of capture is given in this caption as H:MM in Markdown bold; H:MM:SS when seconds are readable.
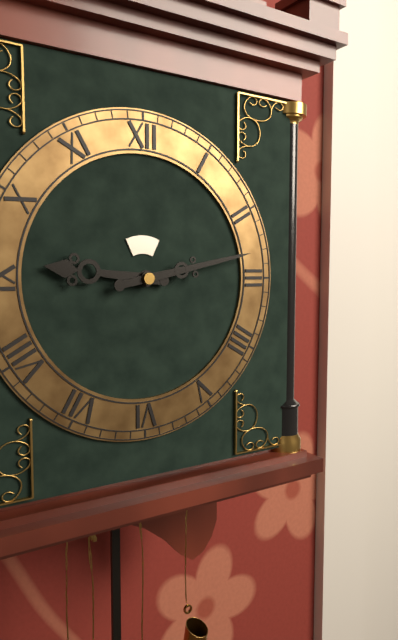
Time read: **9:13**
